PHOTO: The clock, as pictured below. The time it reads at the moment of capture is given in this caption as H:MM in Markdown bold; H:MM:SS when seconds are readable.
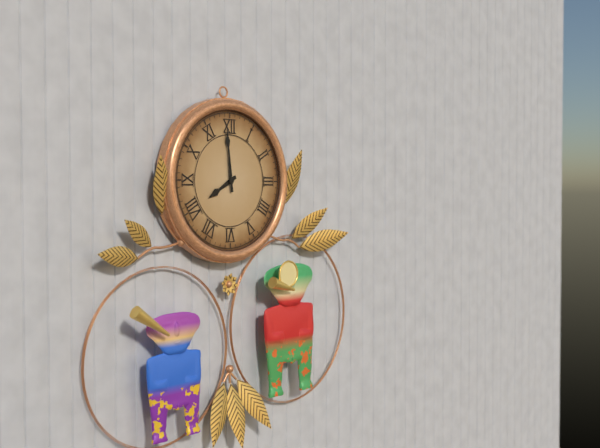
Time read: **7:59**
